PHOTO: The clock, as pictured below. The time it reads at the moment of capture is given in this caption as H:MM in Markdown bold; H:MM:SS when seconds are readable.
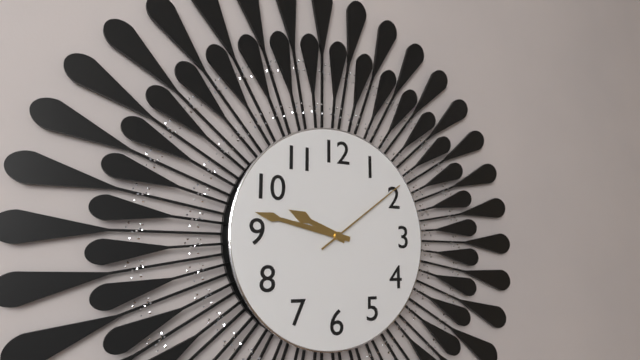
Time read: **9:47:09**
